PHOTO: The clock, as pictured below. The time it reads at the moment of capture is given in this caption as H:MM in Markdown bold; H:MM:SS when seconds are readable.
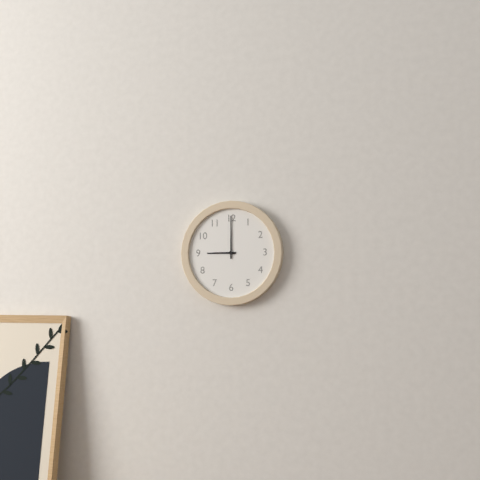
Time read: **9:00**
